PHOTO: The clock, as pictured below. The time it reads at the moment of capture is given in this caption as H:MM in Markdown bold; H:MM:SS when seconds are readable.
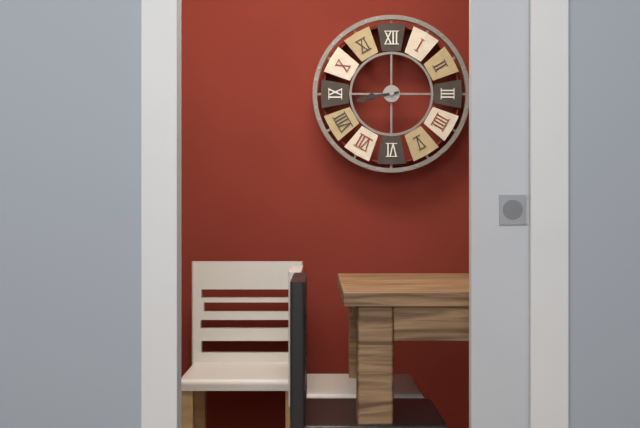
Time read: **8:43**
